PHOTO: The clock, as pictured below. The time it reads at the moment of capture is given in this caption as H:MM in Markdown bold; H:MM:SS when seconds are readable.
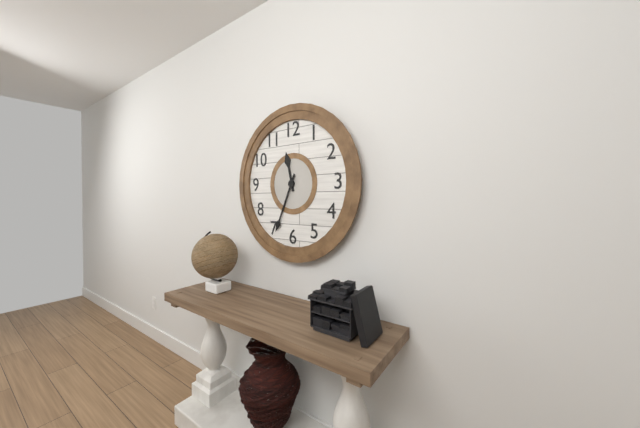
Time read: **11:34**
